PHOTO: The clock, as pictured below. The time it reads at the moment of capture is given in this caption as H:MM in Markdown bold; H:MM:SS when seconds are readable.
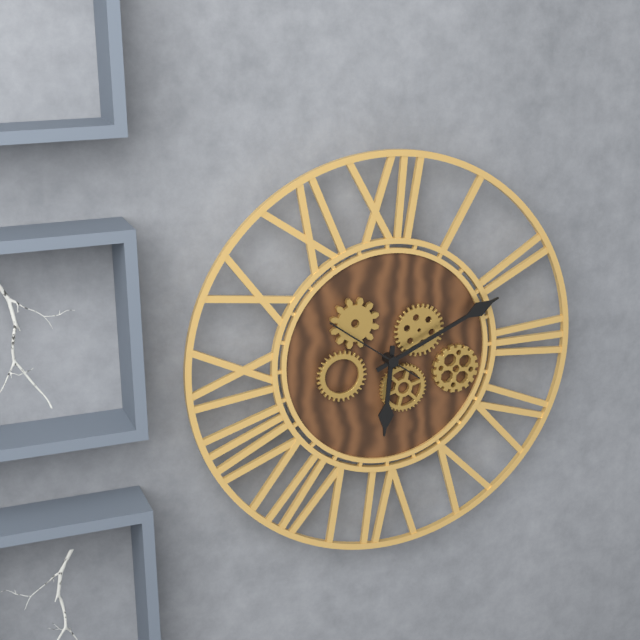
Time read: **6:11:51**
